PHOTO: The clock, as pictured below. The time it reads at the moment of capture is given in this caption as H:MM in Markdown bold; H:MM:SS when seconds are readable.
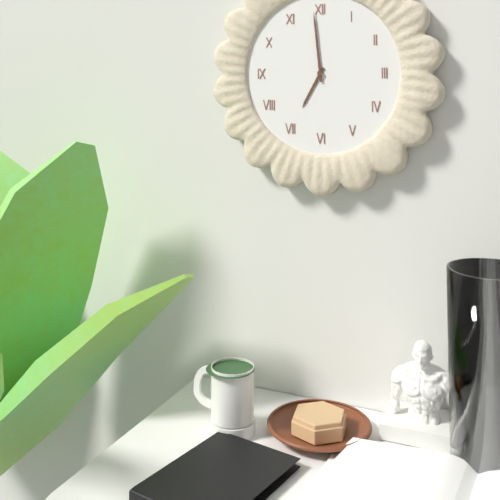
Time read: **6:59**
